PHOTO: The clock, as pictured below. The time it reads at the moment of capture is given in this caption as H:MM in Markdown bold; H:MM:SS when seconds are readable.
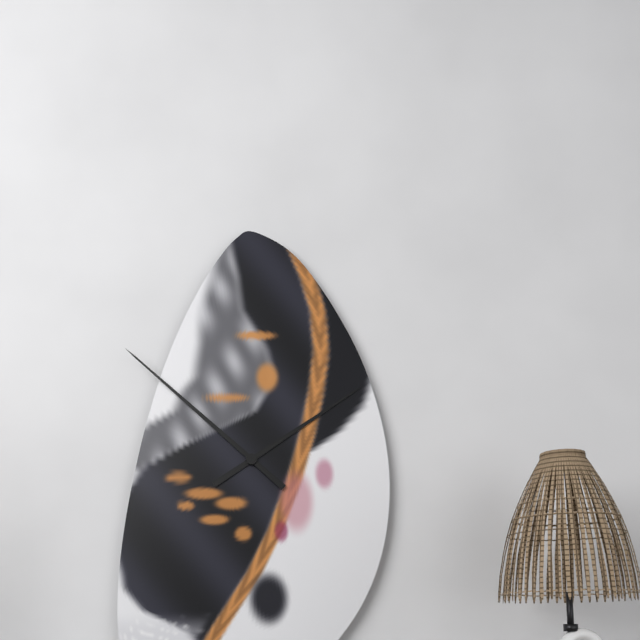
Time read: **1:52**
